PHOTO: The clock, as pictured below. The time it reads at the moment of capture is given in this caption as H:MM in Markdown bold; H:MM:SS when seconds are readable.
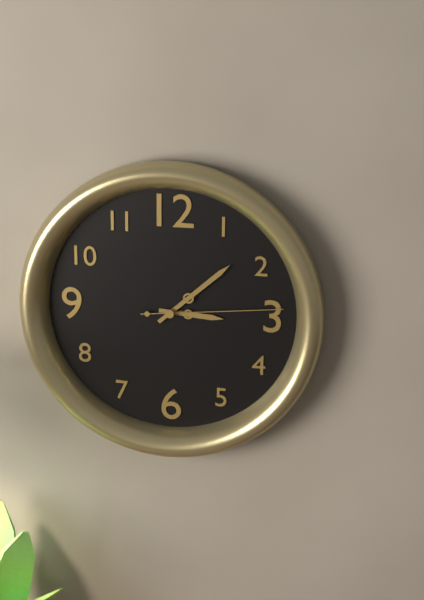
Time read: **3:08:14**
